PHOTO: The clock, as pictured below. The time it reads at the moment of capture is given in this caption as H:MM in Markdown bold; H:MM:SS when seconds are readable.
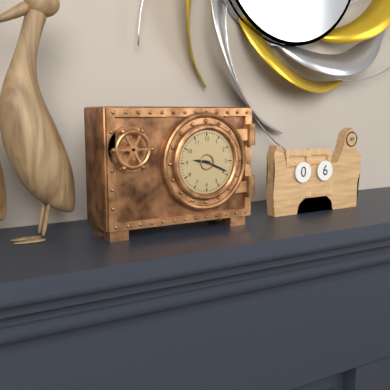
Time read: **9:19**
